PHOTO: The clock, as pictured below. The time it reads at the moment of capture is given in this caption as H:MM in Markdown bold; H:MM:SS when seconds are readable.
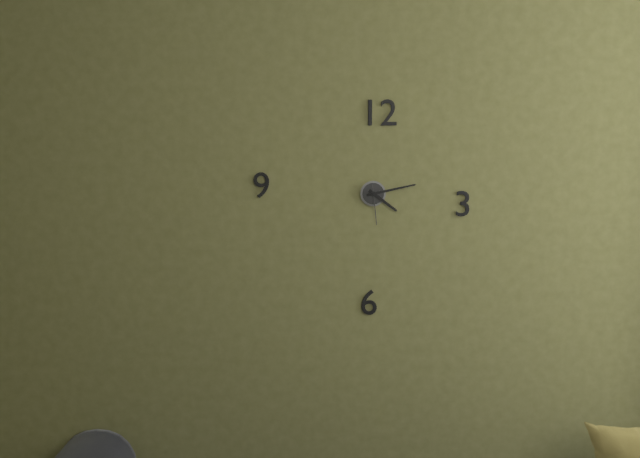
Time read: **4:13**
